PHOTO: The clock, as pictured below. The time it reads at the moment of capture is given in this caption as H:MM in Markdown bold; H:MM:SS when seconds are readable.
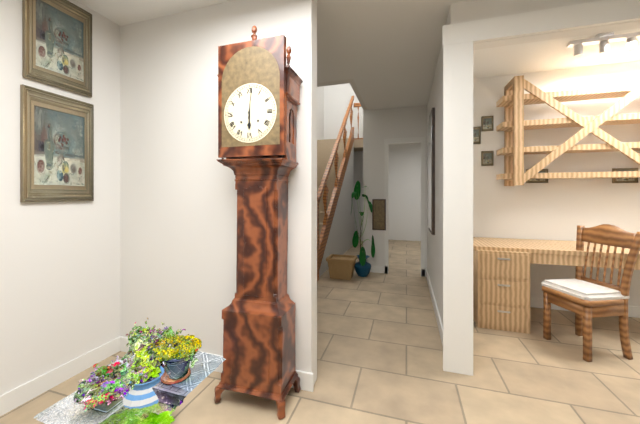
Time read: **6:01**
